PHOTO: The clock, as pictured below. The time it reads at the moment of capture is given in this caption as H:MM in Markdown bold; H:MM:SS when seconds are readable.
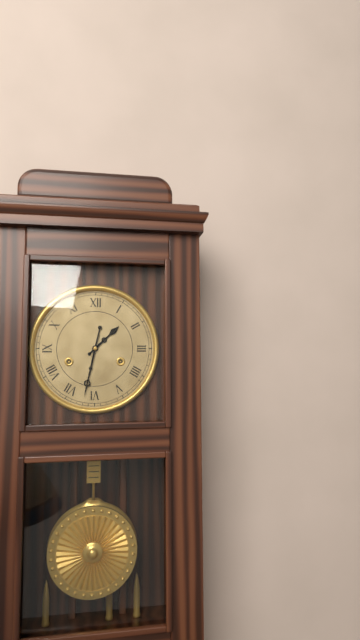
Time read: **1:32**
